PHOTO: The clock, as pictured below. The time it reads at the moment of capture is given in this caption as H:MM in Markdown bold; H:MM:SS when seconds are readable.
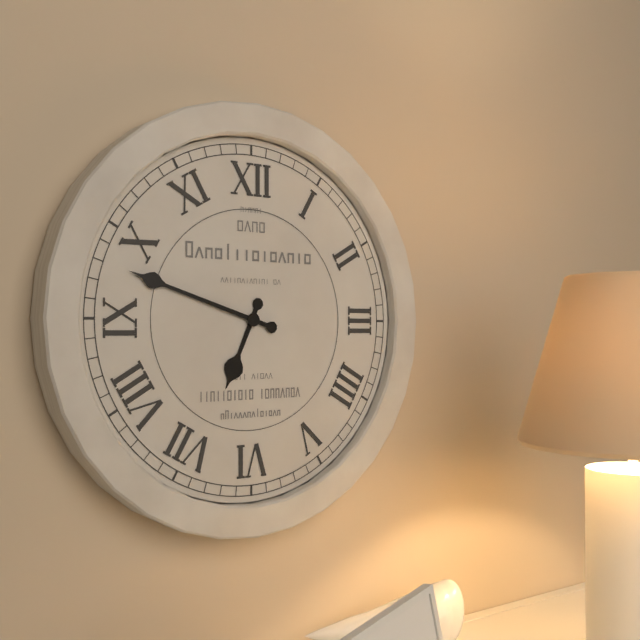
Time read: **6:48**
